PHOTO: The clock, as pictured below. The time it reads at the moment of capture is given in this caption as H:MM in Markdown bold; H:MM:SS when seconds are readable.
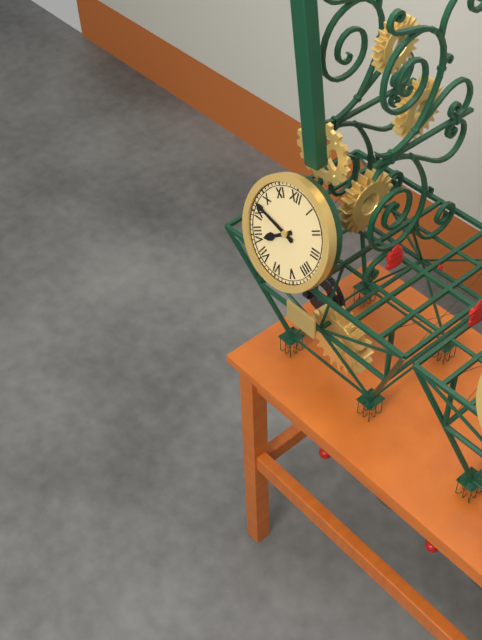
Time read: **7:47**
